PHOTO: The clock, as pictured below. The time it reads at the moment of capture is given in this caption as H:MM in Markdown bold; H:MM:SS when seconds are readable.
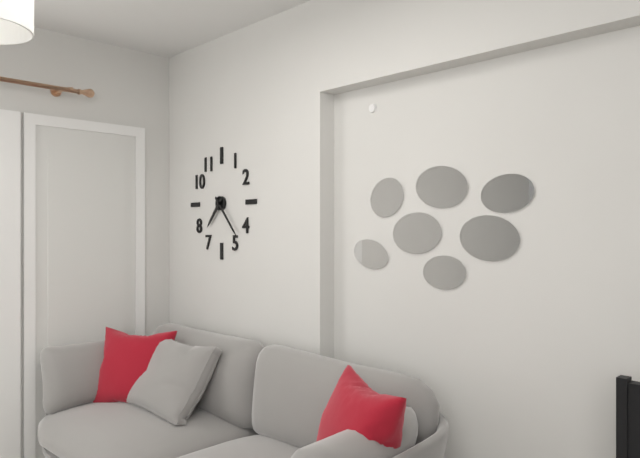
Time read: **7:23**
